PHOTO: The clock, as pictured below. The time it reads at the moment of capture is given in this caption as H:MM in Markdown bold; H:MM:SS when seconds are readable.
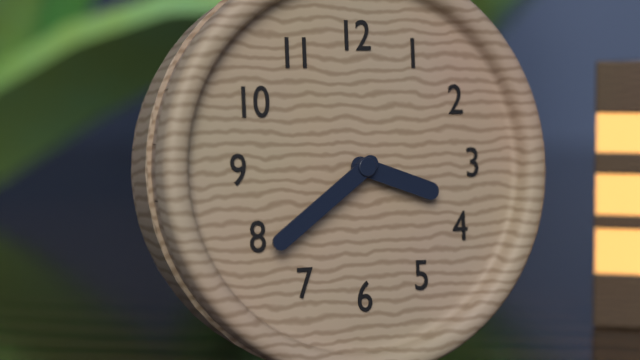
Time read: **3:39**
